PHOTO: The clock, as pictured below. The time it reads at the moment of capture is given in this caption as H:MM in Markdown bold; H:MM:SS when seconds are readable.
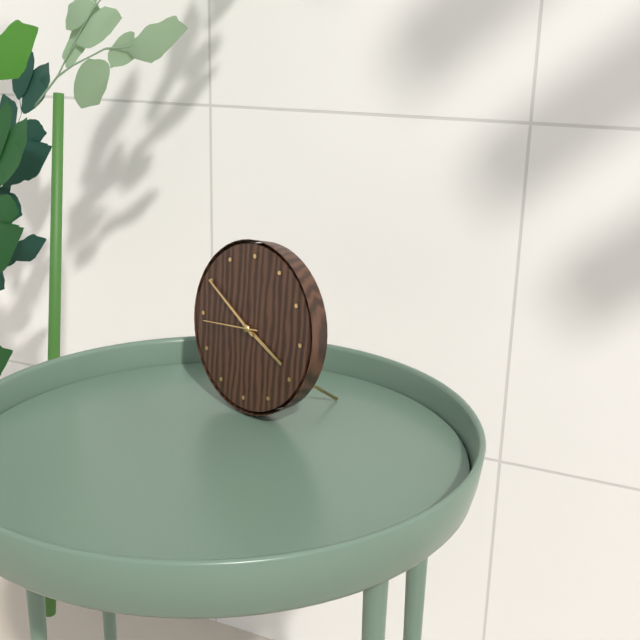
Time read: **3:50:44**
